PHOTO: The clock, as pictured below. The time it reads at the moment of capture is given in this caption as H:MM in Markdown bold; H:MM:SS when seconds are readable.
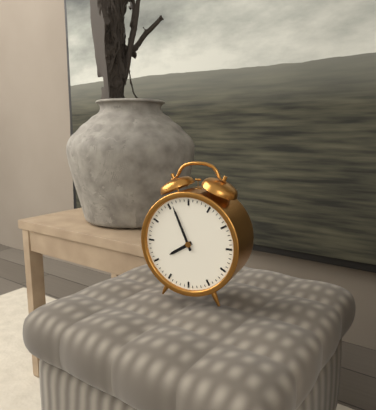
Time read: **7:56**
